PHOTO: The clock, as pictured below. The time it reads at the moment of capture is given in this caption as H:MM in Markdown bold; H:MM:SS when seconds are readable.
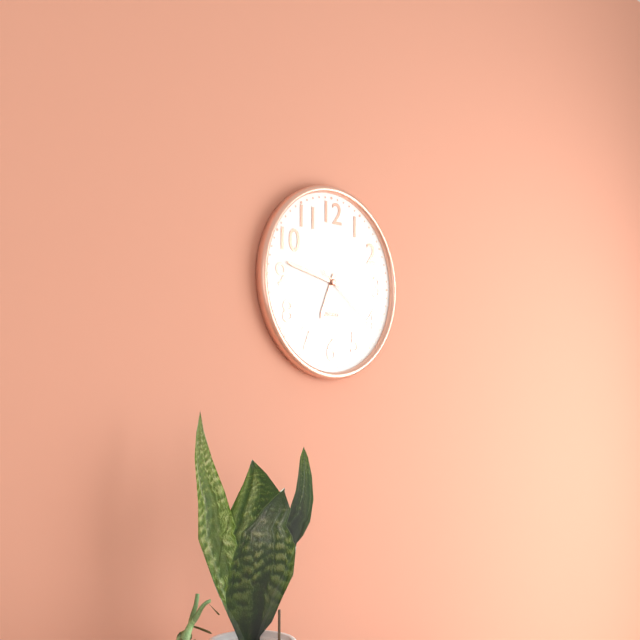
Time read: **6:47:21**
